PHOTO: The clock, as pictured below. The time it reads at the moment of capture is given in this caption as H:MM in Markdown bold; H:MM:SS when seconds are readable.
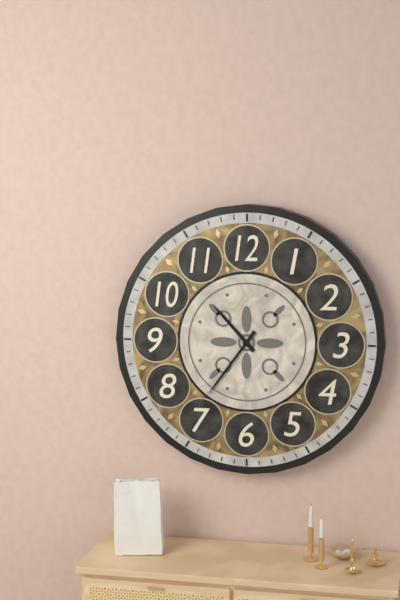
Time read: **10:36**
